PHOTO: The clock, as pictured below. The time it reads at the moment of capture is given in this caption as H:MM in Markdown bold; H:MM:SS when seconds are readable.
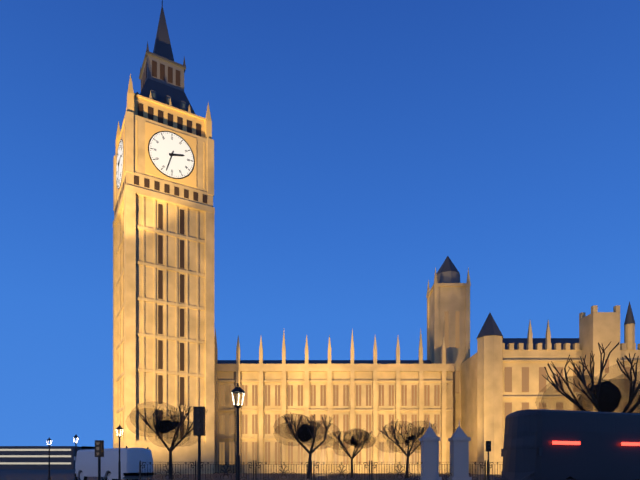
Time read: **2:33**
